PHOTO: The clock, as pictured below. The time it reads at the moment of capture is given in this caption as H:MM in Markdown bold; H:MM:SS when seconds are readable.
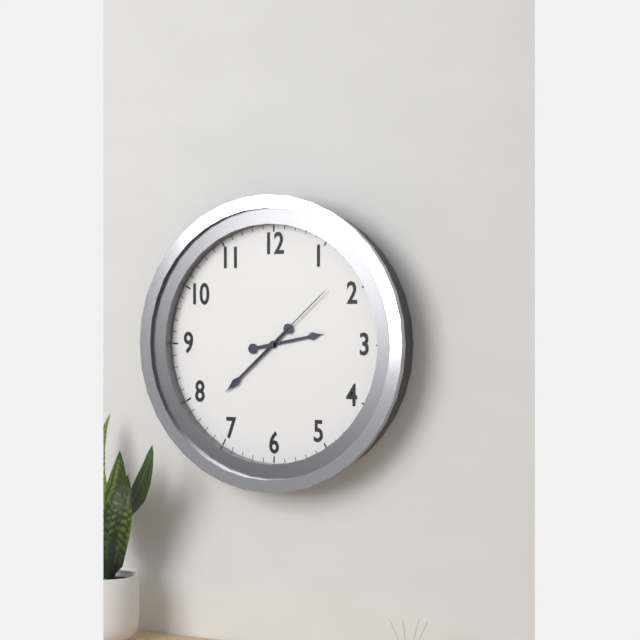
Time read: **2:38:08**
